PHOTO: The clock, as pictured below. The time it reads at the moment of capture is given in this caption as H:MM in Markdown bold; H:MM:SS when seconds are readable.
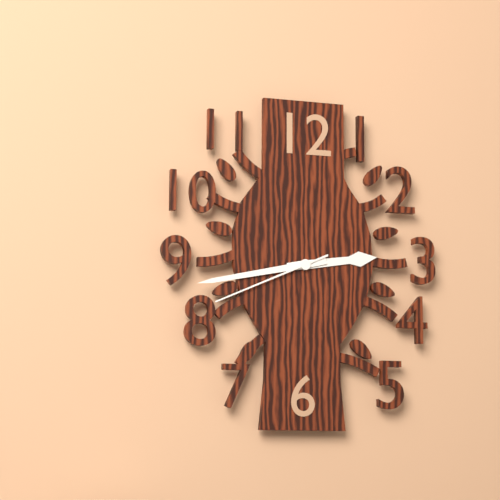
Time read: **2:43:41**
